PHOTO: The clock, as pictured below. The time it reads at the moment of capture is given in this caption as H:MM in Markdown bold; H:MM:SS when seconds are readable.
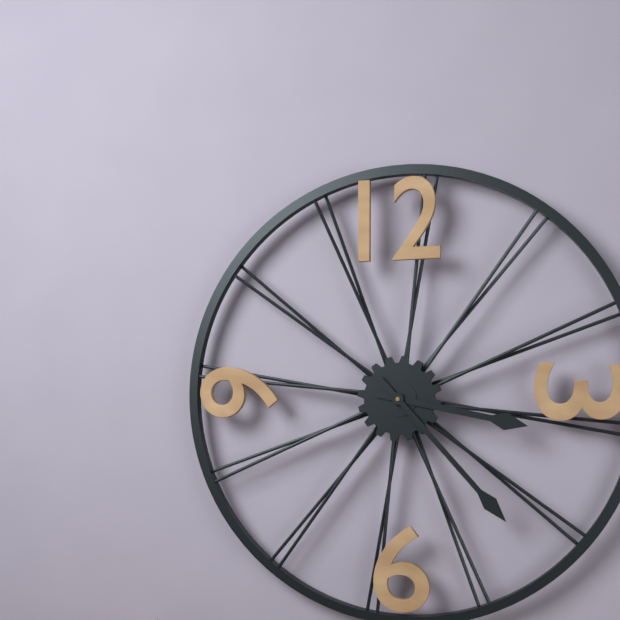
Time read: **3:23**
